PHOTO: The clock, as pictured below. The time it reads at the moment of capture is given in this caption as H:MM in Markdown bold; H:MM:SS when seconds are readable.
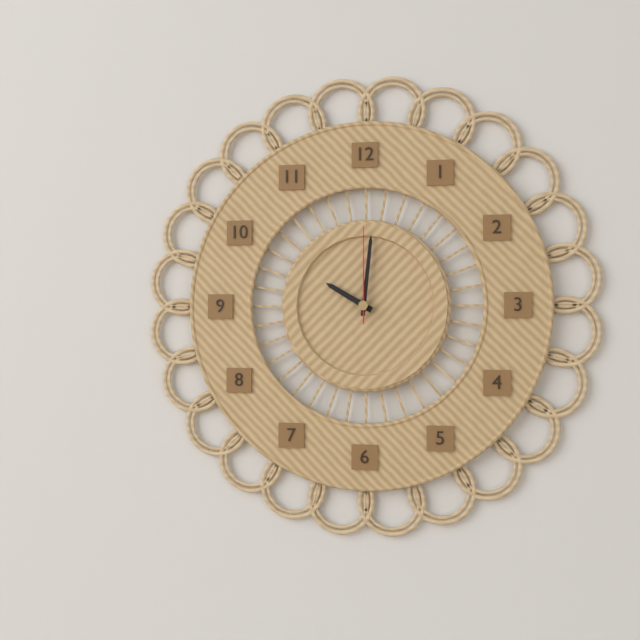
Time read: **10:01:00**
